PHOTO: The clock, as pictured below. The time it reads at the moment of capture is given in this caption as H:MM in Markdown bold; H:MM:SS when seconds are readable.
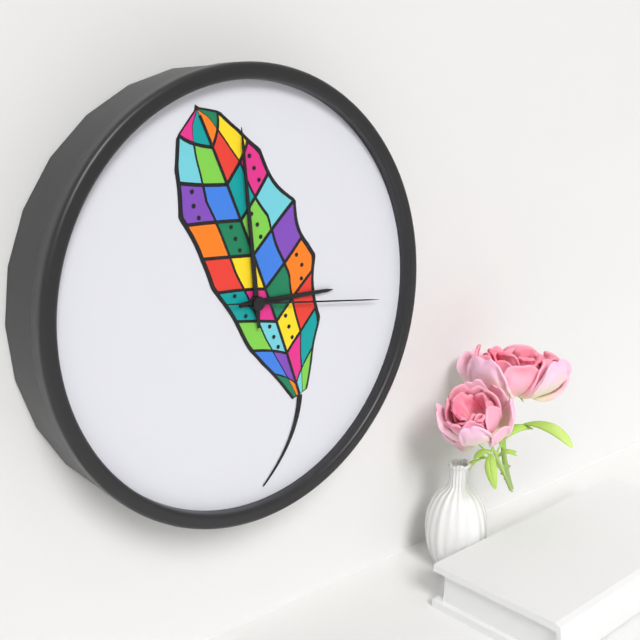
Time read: **2:59:16**
